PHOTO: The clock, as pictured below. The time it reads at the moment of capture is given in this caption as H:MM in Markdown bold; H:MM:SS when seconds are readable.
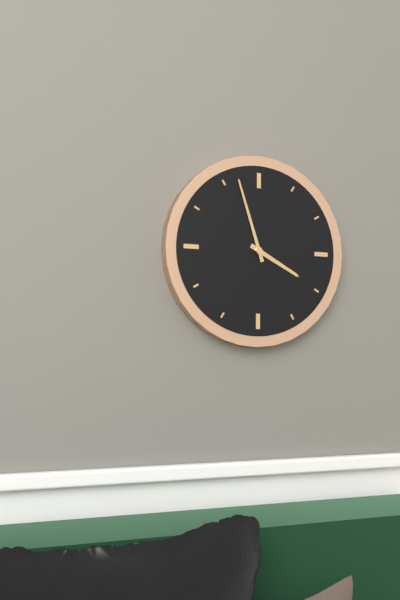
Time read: **3:57**
